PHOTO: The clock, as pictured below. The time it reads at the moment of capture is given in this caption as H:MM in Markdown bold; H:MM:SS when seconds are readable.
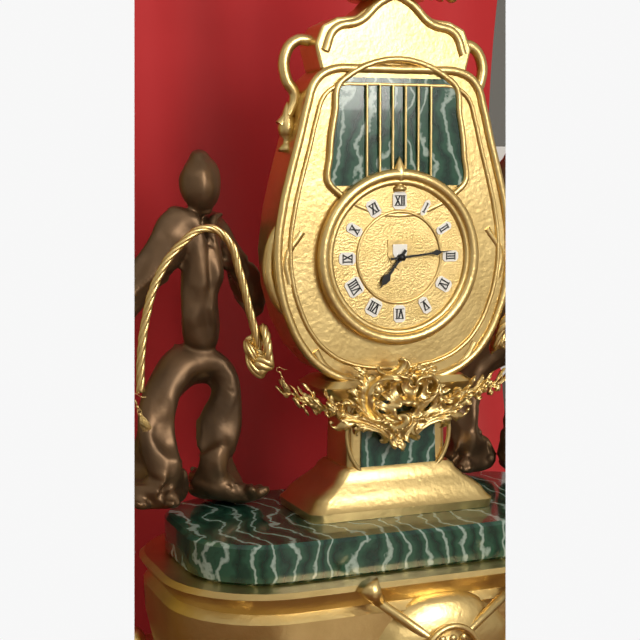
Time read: **7:14**
